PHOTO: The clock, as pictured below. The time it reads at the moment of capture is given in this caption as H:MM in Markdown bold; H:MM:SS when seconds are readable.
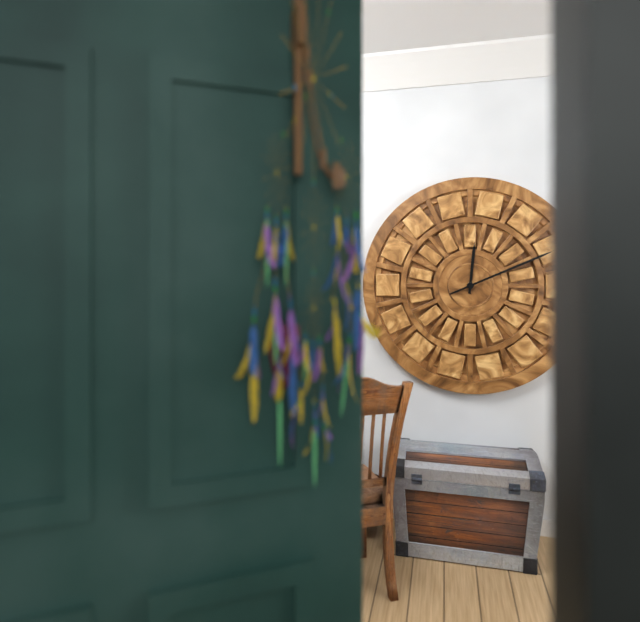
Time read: **12:11**
